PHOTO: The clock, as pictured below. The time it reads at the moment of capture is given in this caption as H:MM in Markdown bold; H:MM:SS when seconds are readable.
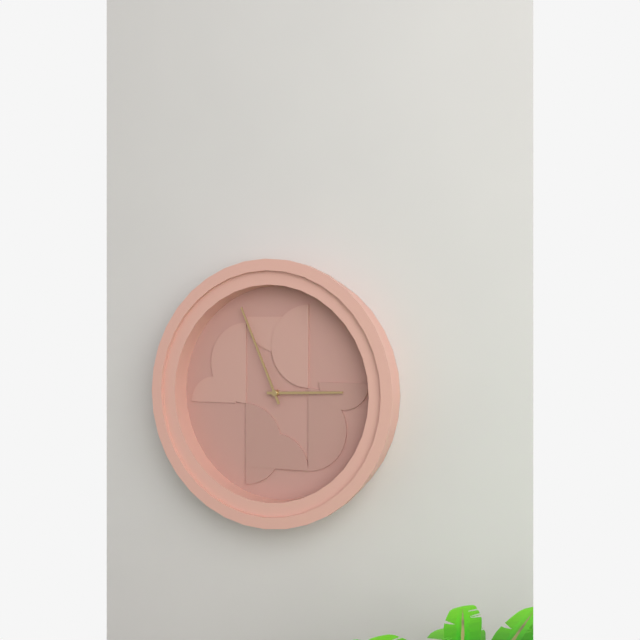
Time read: **2:56**
